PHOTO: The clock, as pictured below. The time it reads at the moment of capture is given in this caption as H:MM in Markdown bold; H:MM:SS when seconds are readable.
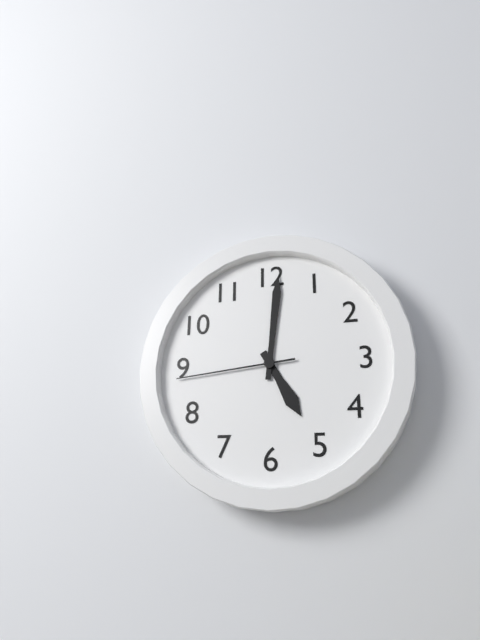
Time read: **5:01:44**
